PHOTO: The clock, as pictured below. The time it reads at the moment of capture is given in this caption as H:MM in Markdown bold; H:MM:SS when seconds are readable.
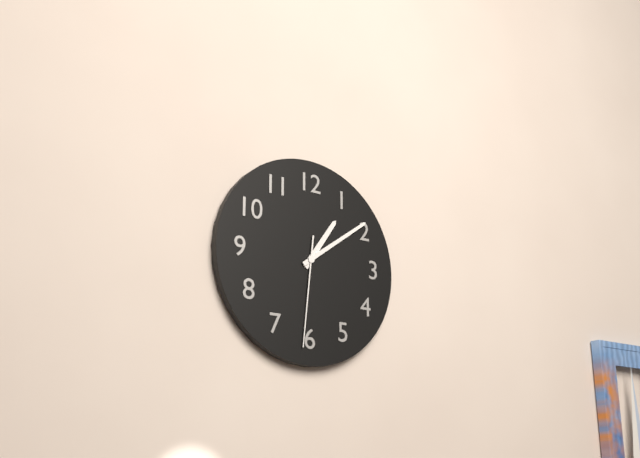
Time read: **1:09:31**
